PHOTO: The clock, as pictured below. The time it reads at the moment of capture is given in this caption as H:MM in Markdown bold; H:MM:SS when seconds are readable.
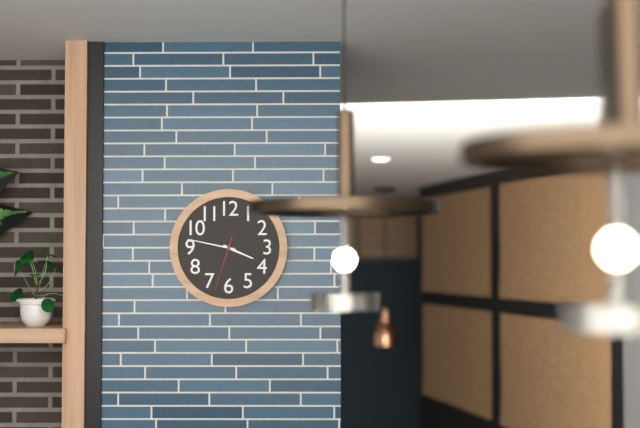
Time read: **3:47:33**
